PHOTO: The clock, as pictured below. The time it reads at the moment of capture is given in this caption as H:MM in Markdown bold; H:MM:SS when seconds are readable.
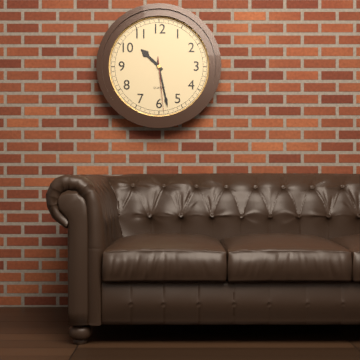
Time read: **10:28:29**
